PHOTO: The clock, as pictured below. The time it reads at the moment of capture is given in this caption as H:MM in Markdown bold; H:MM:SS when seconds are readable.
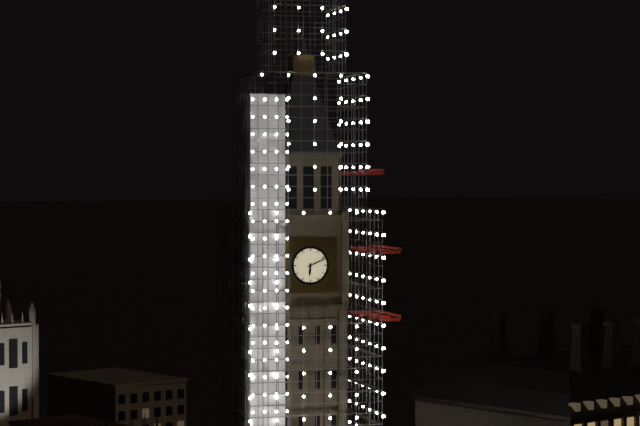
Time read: **6:11**
